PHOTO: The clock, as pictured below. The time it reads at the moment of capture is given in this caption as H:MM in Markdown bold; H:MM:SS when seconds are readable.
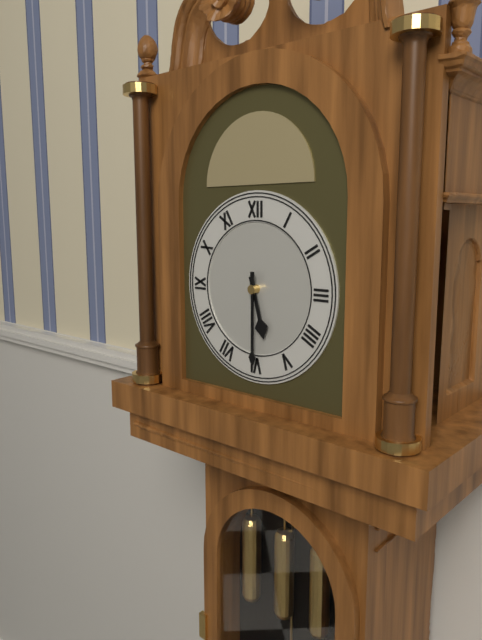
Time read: **5:30**
